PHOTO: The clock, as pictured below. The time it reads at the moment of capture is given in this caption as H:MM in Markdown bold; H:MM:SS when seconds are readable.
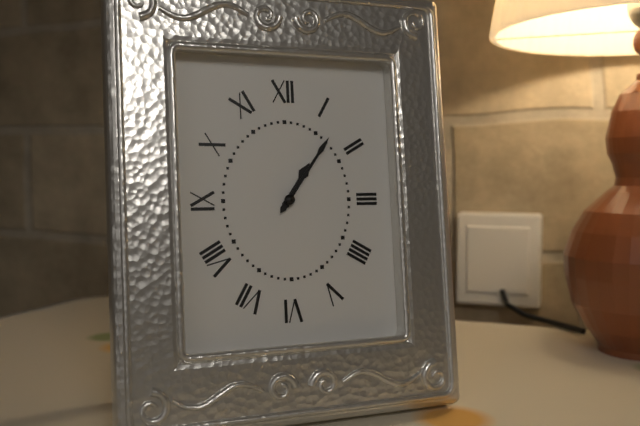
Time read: **1:06**
